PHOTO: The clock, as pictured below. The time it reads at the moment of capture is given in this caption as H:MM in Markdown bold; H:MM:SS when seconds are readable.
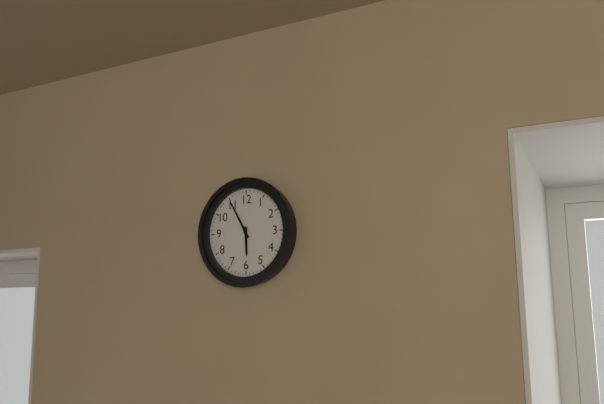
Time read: **5:55**
